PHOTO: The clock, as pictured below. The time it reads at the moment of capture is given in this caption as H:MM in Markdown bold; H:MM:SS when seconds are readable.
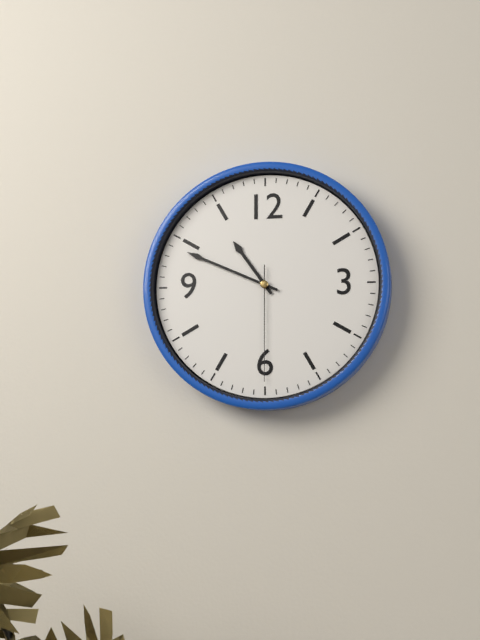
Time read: **10:49:30**
